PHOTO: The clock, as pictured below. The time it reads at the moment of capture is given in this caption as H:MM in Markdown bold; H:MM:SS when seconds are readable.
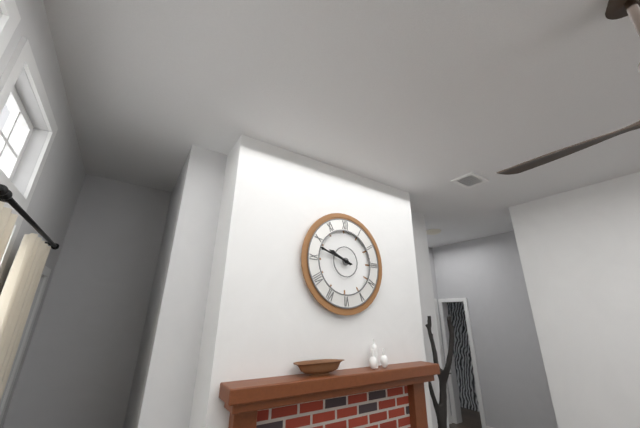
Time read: **9:48**
